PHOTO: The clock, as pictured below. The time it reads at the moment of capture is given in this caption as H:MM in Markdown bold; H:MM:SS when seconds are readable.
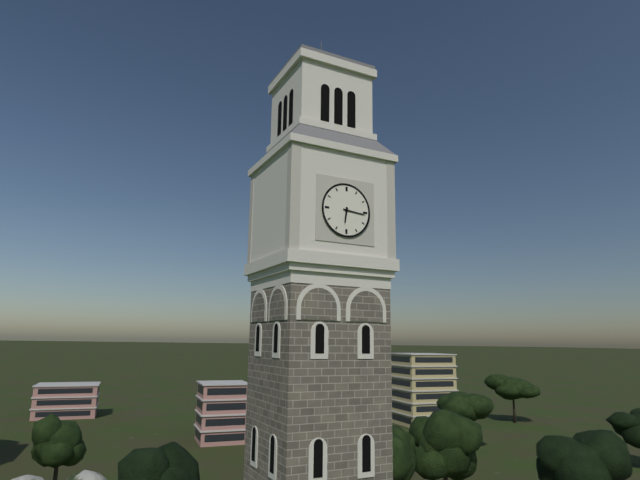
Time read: **6:16**
